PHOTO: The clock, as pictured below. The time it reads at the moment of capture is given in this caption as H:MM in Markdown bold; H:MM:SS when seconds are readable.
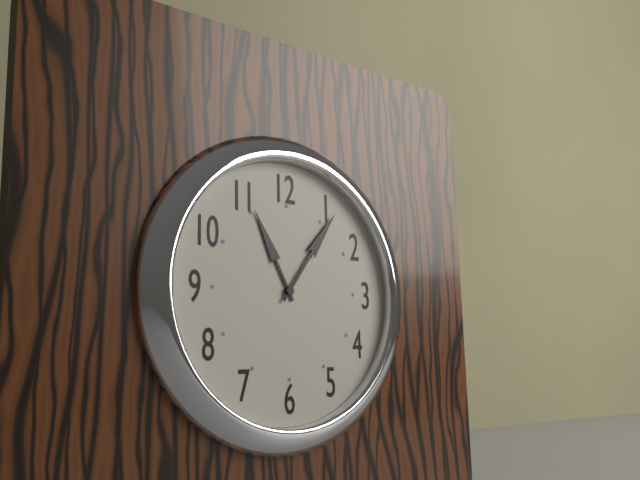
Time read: **11:06**
